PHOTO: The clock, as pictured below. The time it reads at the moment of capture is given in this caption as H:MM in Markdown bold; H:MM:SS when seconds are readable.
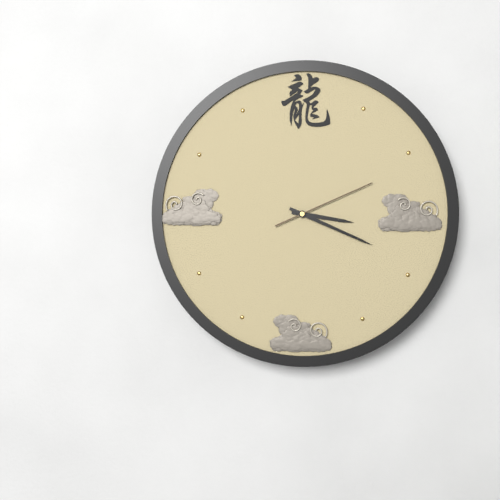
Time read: **3:19:11**
